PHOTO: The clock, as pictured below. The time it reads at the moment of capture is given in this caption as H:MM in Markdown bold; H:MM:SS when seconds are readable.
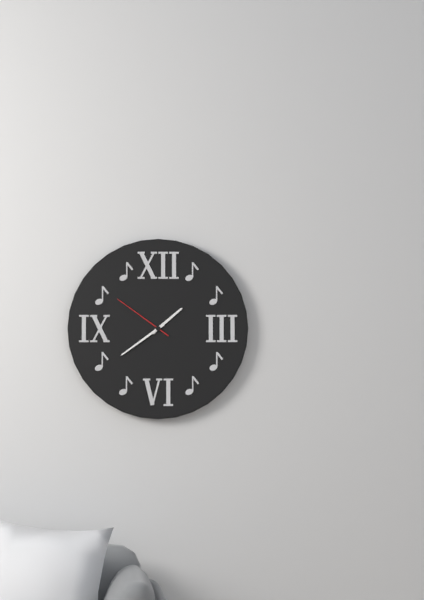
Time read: **1:39:51**
